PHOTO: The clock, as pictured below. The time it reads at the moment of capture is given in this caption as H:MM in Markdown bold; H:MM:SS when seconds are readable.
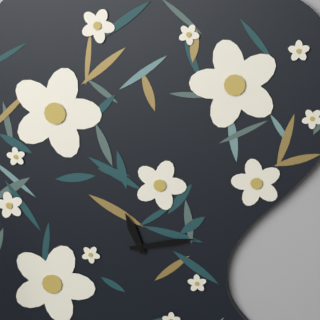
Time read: **11:13**
